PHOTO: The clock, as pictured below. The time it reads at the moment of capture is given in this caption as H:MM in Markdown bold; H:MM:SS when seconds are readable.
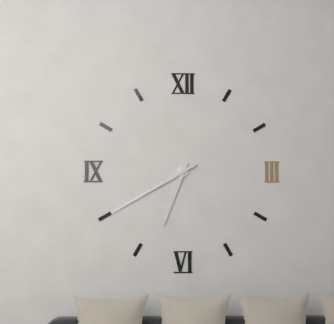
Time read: **6:40**
